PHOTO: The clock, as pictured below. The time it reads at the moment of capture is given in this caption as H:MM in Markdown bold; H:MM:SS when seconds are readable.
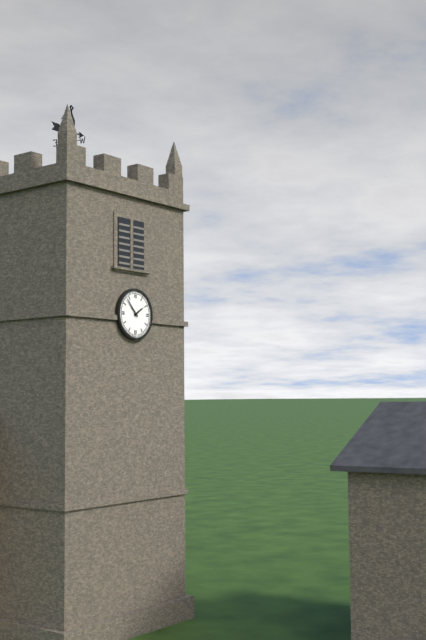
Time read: **1:53**
